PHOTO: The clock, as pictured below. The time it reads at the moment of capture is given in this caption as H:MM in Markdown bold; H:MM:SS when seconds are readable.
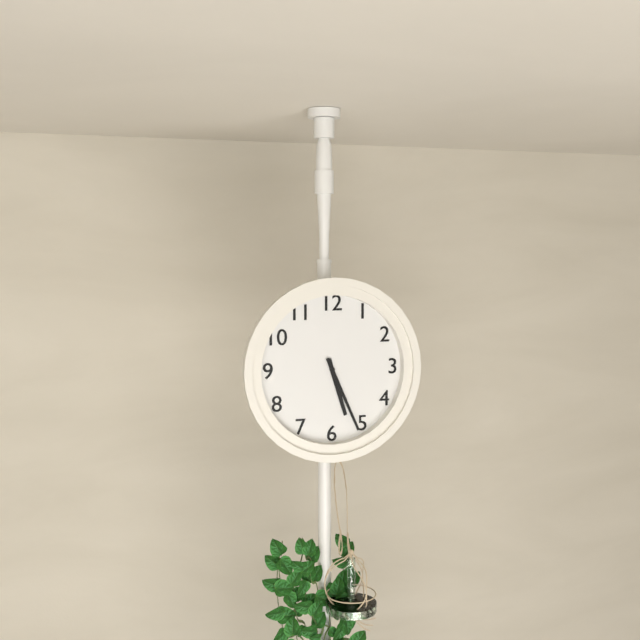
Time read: **5:26**
